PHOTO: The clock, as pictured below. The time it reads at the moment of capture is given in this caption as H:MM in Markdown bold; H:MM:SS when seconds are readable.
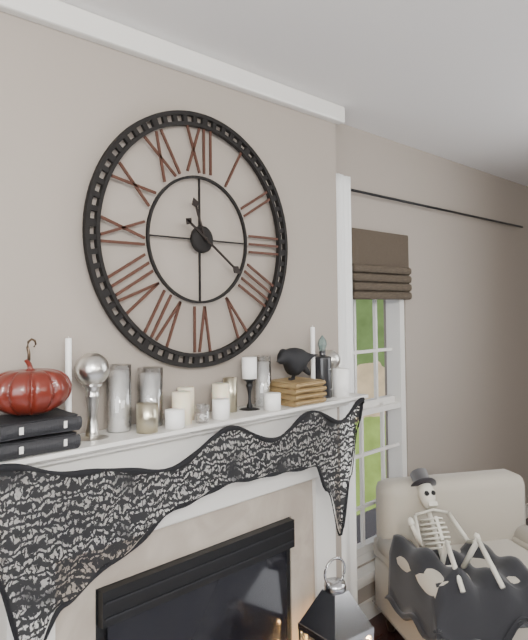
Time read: **11:21**
